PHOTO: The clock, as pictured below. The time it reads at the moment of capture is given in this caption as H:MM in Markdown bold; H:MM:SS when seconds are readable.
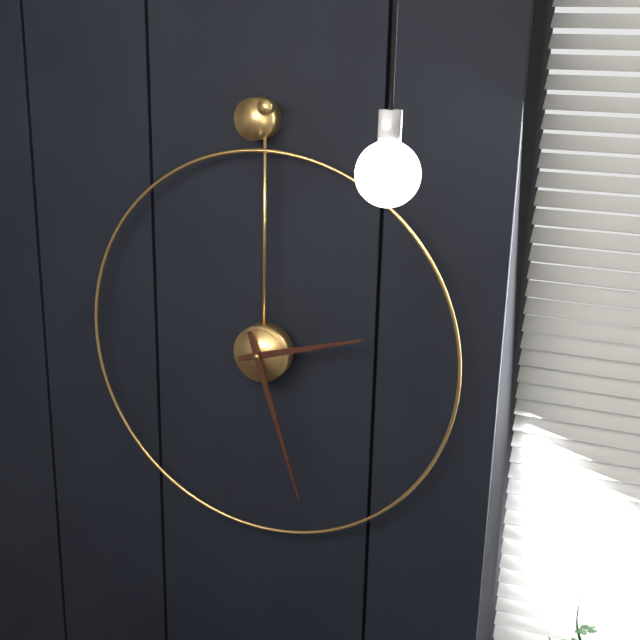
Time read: **2:27**
